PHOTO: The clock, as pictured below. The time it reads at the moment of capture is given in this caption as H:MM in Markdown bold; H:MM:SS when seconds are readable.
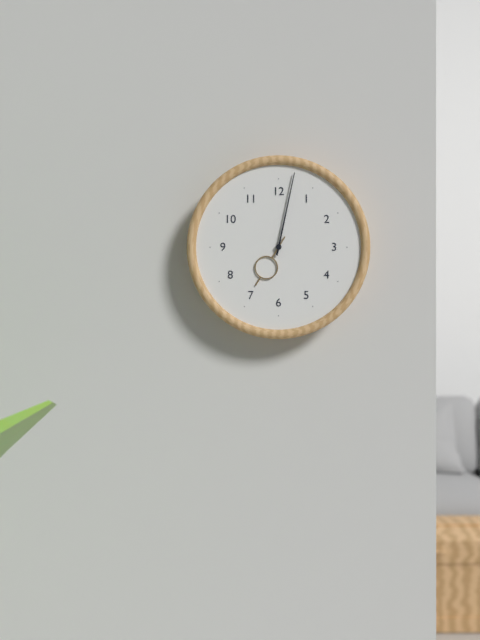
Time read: **7:02**
